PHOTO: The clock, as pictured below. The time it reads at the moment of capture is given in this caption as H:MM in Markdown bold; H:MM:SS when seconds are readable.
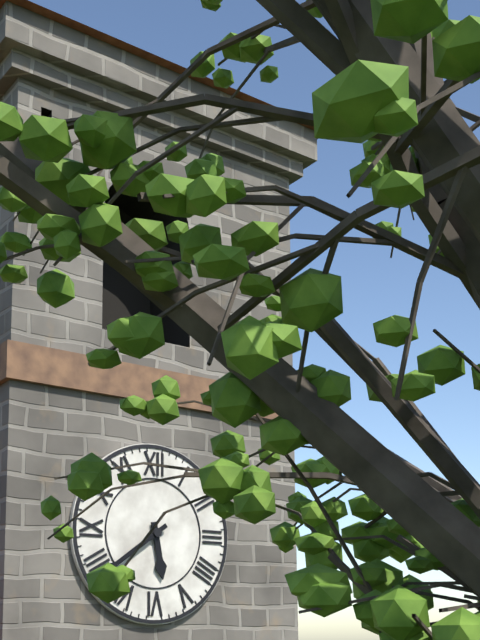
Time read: **5:39**
